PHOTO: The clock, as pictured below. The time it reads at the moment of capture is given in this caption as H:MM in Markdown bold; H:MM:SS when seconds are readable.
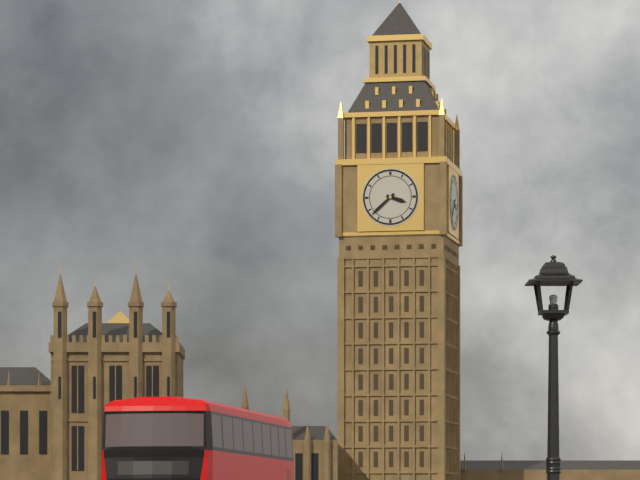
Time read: **3:38**
